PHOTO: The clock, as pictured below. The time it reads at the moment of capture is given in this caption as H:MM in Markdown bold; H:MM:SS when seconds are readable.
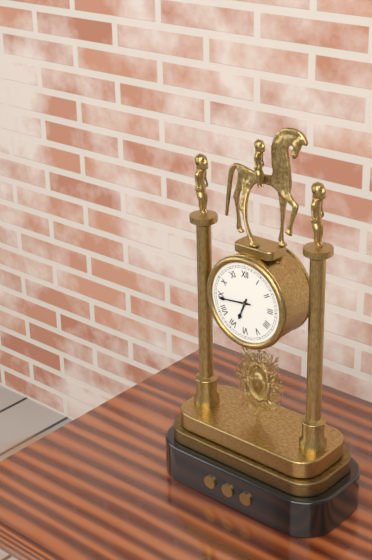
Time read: **6:44**
